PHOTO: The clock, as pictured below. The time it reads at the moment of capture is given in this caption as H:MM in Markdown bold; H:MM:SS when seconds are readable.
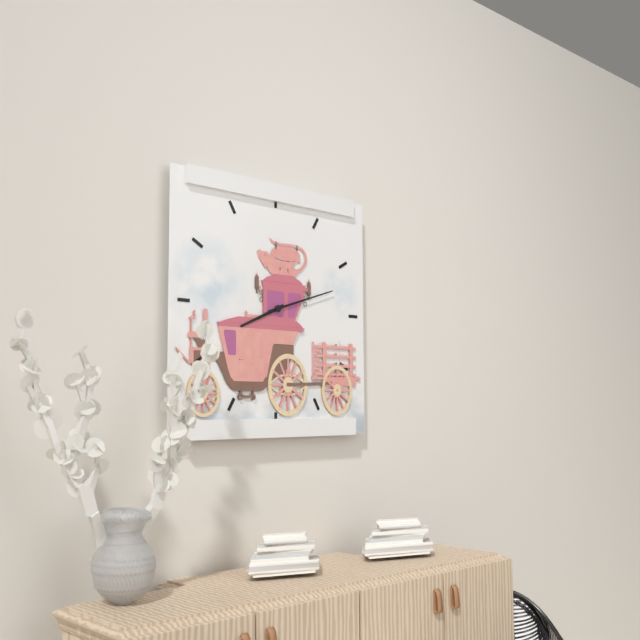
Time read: **8:12**
